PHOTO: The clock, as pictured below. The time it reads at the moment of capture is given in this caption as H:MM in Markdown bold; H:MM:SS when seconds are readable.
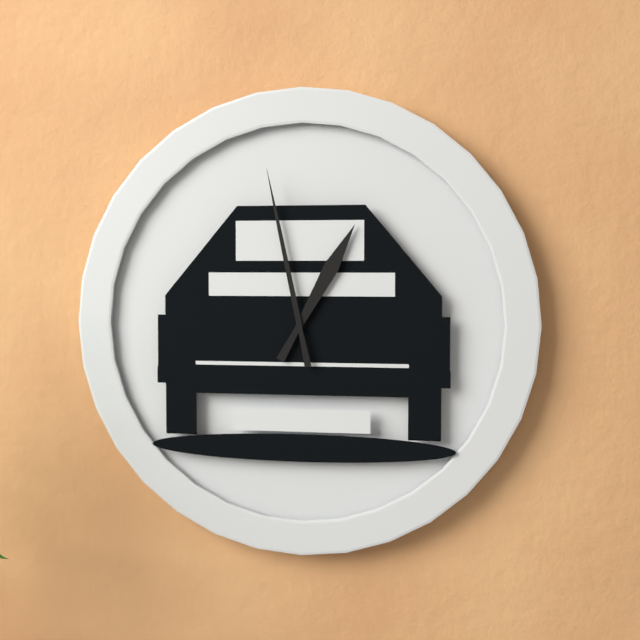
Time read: **12:58**
